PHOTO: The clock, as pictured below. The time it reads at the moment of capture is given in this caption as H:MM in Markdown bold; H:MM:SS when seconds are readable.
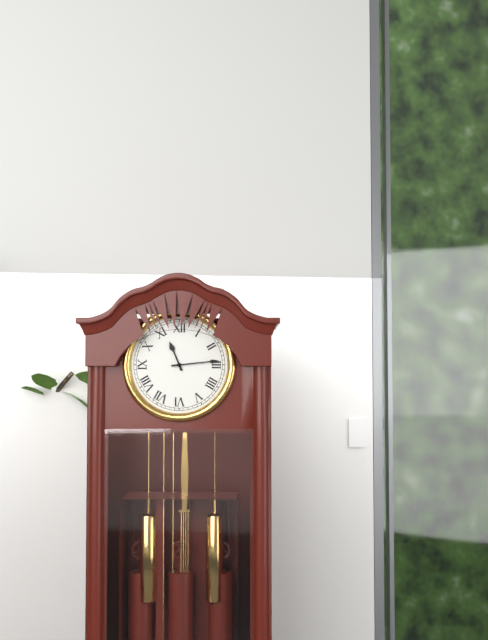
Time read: **11:14**
